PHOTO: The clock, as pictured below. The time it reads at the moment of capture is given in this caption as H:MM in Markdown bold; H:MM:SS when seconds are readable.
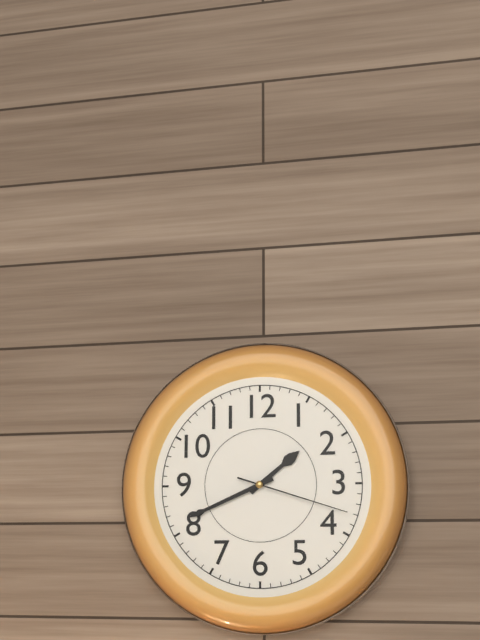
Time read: **1:41:18**
